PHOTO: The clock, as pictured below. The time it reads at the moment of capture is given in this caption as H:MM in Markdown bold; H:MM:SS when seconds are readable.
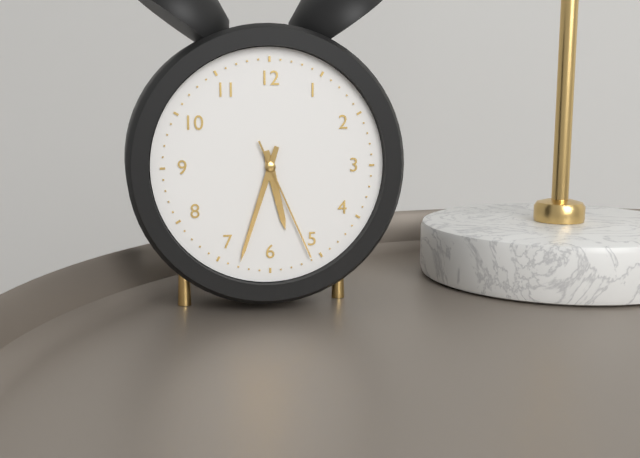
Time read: **5:33:26**
